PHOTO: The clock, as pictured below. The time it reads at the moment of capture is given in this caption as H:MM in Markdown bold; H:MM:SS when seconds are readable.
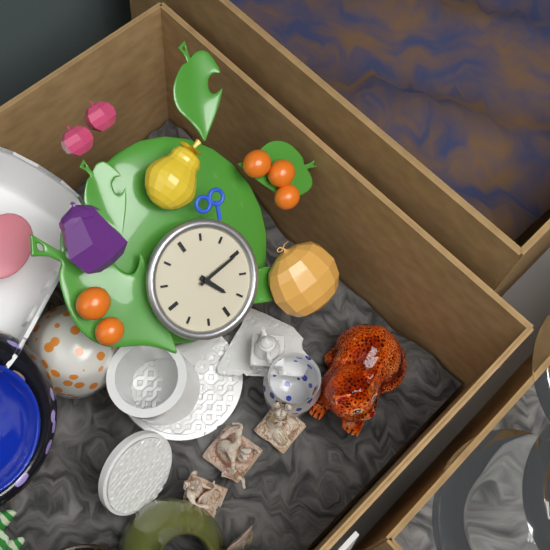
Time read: **5:15**
